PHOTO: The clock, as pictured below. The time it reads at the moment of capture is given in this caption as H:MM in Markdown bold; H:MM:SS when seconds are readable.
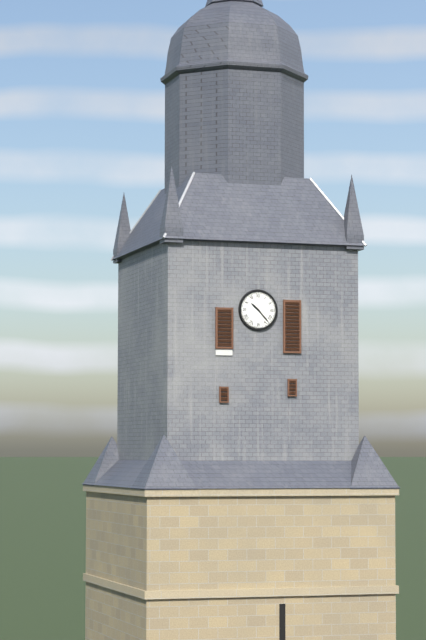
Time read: **10:23**
